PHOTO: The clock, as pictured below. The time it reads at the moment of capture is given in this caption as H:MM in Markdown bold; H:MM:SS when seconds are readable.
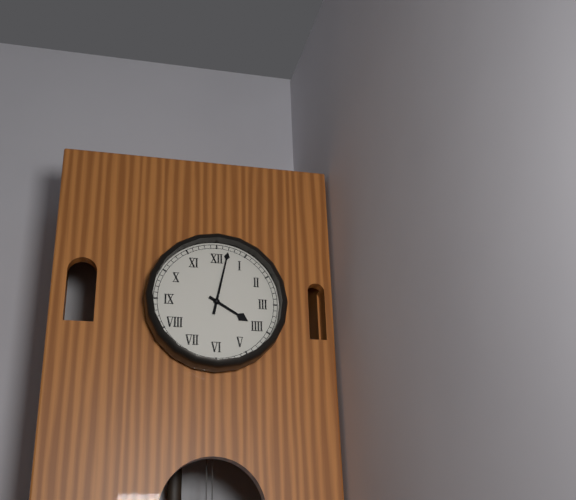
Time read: **4:02**
